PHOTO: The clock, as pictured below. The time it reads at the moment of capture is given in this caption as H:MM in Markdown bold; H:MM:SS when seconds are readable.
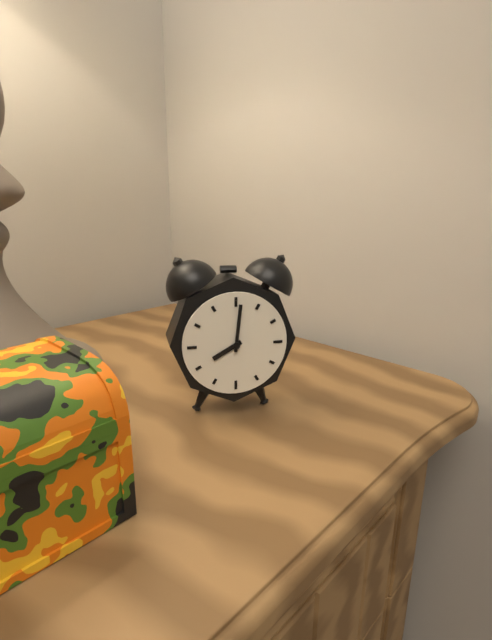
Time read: **8:01**
